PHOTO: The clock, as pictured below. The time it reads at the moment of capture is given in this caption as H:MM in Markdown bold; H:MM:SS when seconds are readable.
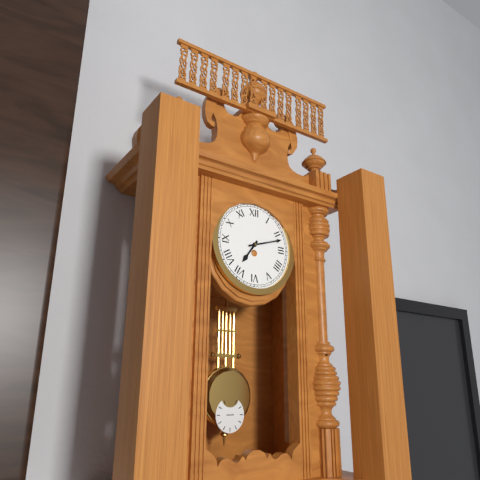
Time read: **7:12**
